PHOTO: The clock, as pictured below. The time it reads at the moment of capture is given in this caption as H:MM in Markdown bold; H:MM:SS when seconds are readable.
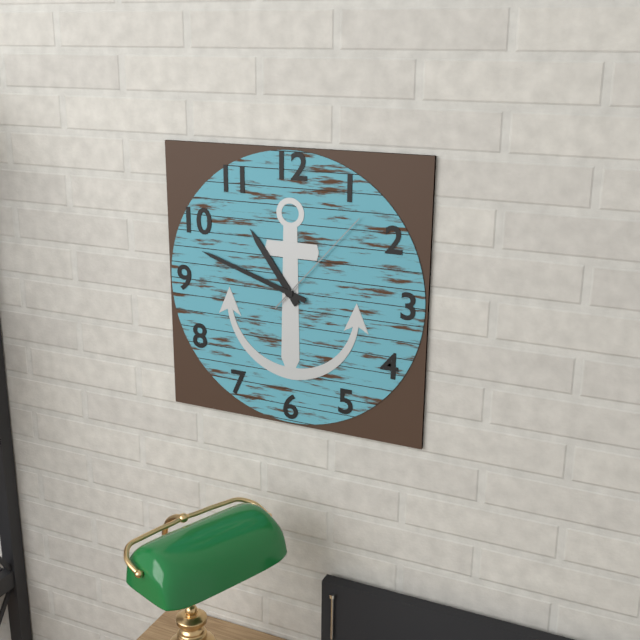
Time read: **10:48:07**
